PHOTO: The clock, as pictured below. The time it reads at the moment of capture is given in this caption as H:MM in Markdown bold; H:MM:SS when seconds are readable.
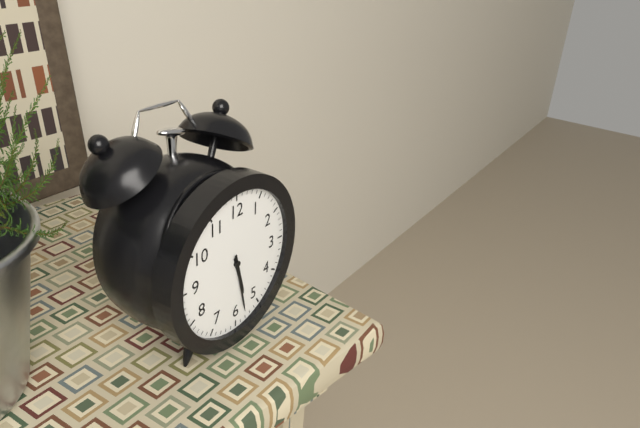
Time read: **5:28**
